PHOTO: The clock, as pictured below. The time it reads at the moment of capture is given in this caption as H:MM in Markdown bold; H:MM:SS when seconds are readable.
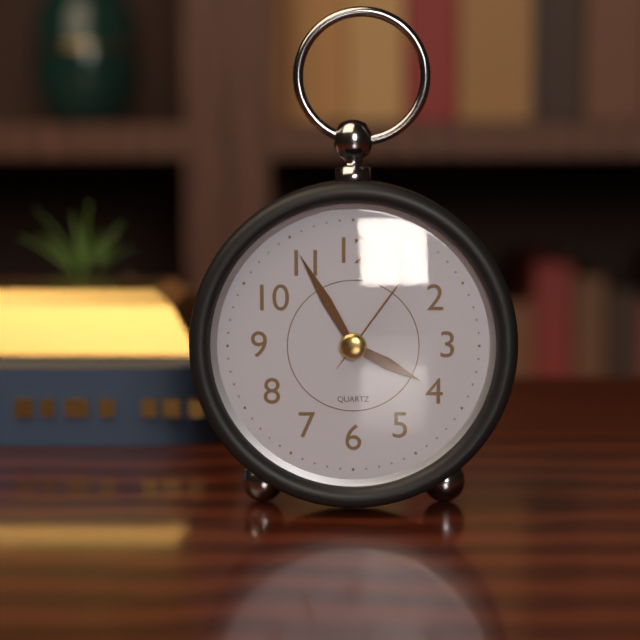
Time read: **3:55:06**
